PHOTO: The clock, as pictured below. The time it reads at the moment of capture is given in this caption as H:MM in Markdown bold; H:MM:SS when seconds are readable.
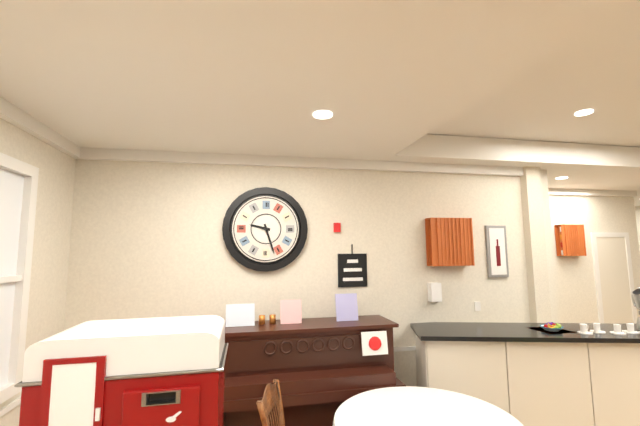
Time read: **9:27**
